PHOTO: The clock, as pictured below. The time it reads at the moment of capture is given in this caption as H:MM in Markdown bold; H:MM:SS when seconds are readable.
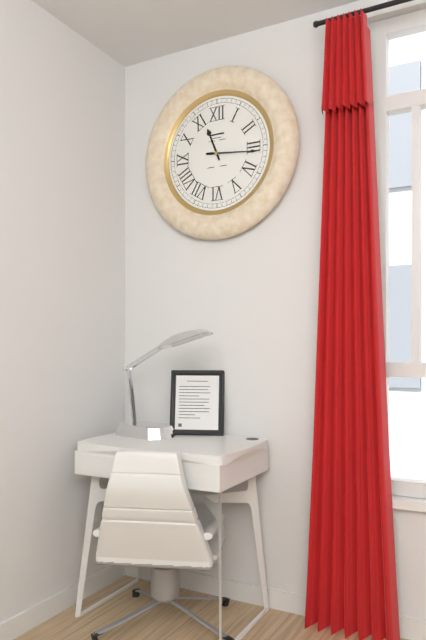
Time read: **11:16**
